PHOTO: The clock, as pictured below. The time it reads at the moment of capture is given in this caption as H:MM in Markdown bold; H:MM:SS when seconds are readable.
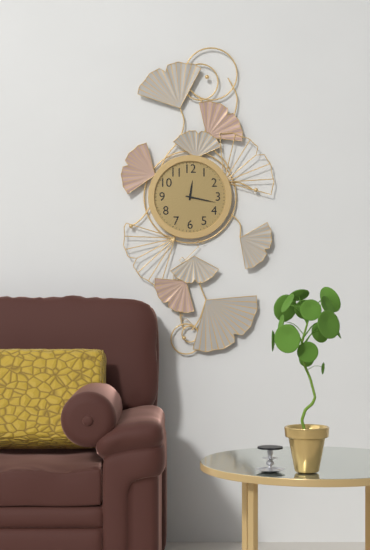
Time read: **12:17**
